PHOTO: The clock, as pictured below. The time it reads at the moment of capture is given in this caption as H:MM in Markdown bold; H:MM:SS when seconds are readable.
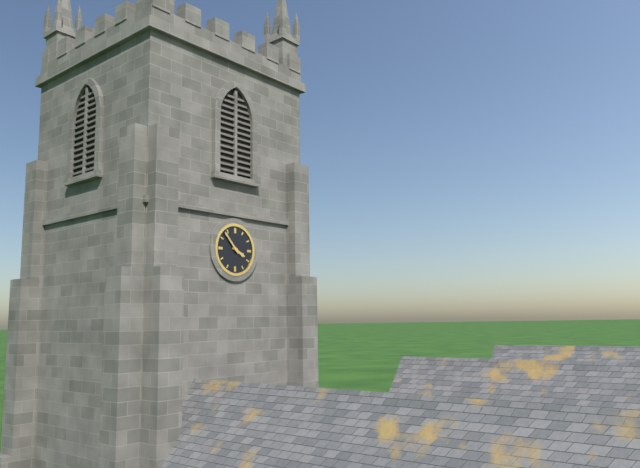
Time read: **3:53**
